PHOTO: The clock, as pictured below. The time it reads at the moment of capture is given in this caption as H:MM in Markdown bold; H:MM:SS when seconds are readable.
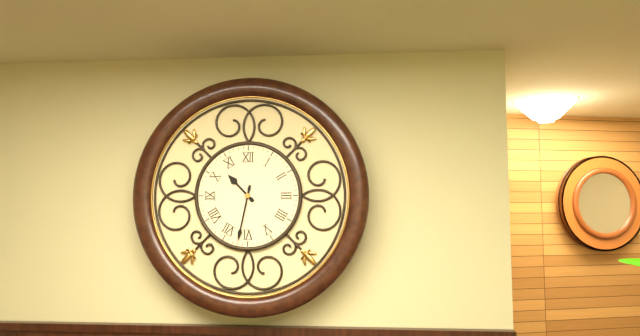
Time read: **10:32**
